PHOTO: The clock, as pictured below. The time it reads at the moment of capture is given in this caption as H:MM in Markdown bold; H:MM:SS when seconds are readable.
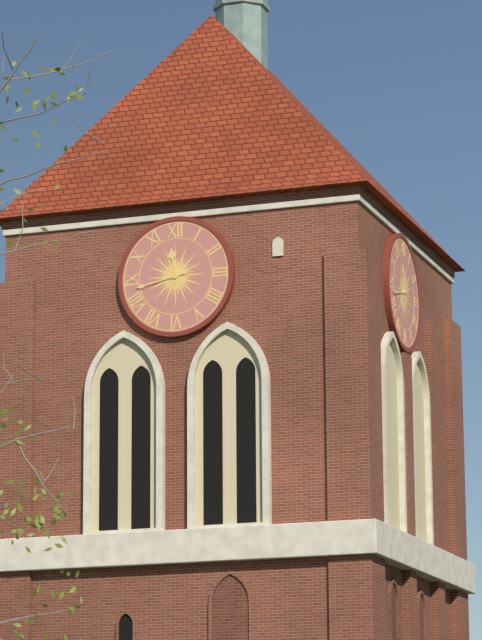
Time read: **11:43**
